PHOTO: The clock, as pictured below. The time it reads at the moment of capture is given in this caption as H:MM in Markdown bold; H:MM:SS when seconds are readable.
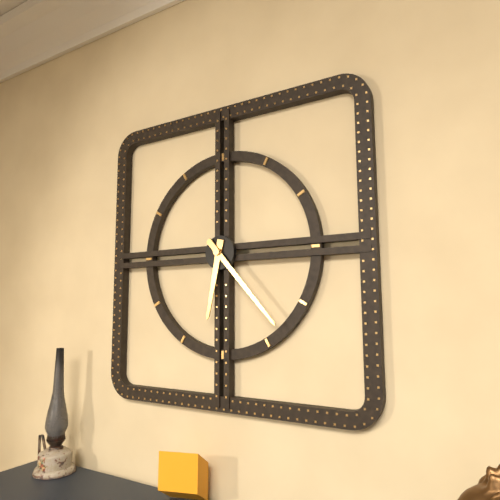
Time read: **6:23**
